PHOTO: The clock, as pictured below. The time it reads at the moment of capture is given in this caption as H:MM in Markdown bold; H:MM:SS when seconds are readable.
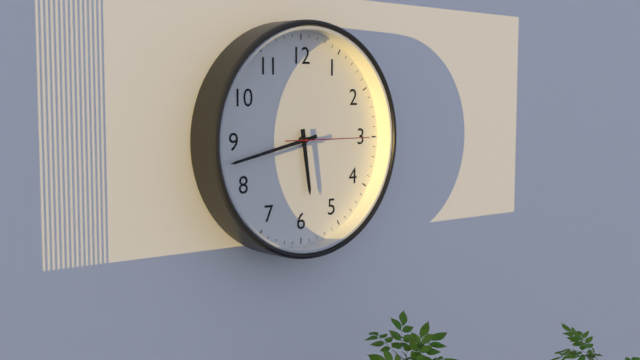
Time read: **5:43:15**
